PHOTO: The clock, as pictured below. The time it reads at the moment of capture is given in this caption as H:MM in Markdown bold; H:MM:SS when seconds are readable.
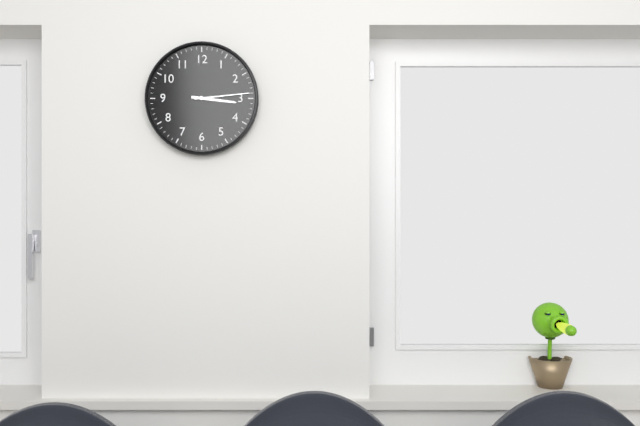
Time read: **3:14**
